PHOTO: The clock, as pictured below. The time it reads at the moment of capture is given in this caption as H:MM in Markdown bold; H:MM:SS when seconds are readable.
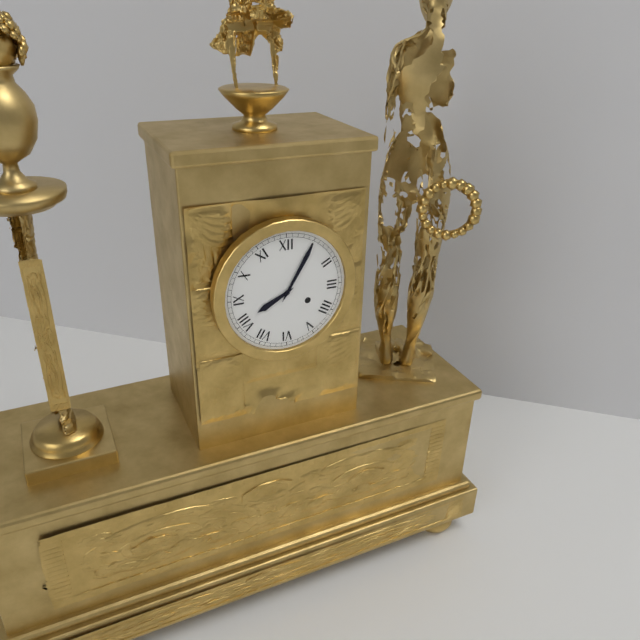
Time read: **8:05**
